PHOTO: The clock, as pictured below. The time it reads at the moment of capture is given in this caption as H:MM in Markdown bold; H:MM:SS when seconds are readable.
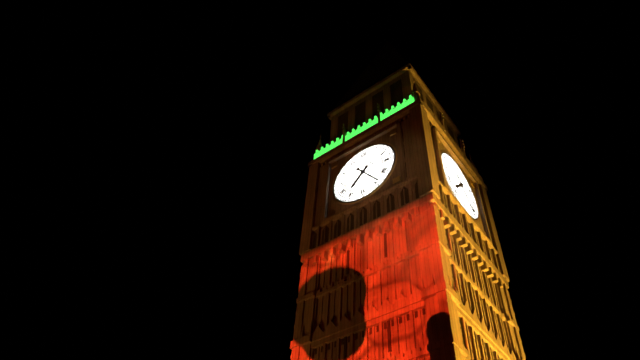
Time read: **7:24**
